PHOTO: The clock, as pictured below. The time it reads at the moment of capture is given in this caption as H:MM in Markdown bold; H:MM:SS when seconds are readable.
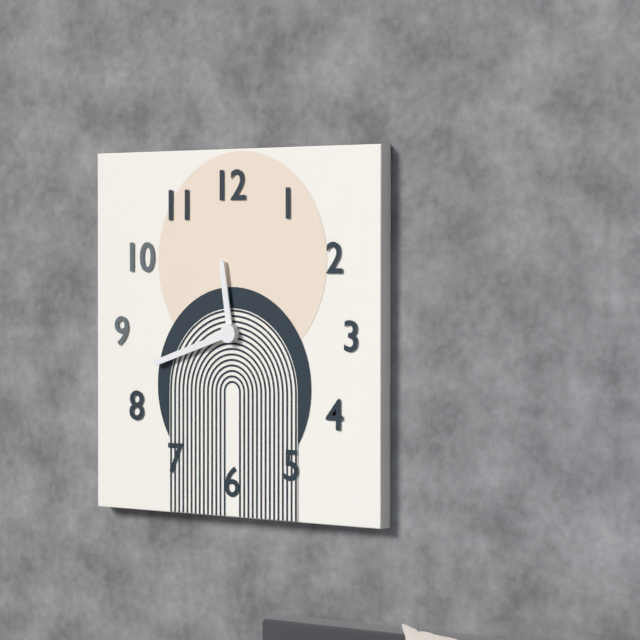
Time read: **11:42**
